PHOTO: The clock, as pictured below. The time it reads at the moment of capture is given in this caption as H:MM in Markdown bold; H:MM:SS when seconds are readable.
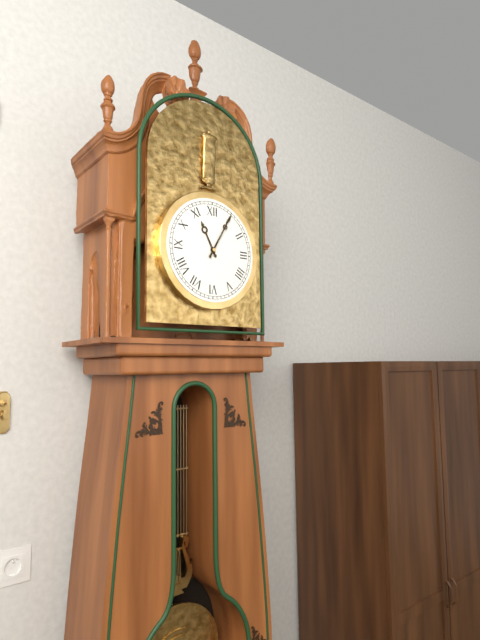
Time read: **11:05**
